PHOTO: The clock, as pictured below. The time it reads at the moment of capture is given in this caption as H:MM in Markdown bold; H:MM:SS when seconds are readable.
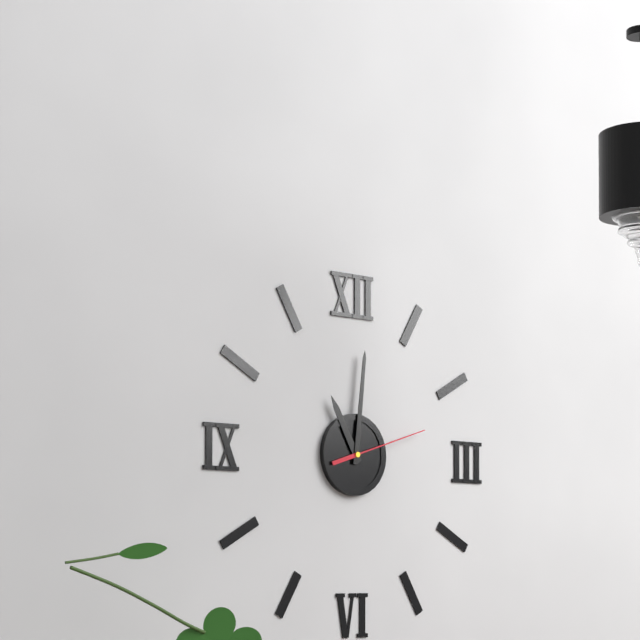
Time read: **11:01:12**
